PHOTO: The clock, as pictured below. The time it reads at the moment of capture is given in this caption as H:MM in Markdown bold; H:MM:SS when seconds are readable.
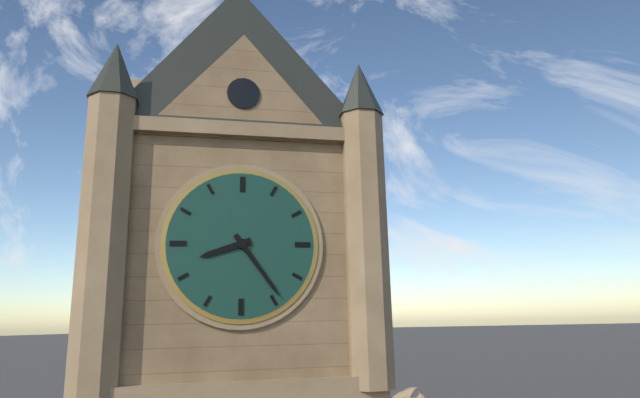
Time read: **8:24**
